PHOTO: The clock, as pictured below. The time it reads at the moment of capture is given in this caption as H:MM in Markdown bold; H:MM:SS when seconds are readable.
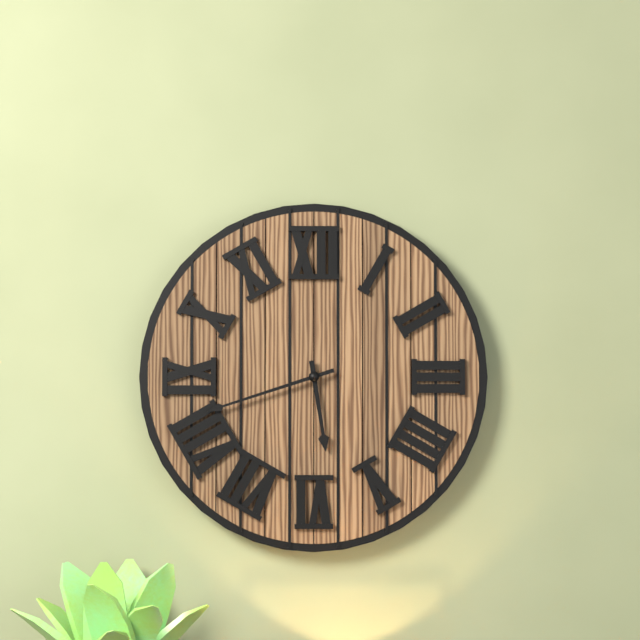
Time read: **5:42**
